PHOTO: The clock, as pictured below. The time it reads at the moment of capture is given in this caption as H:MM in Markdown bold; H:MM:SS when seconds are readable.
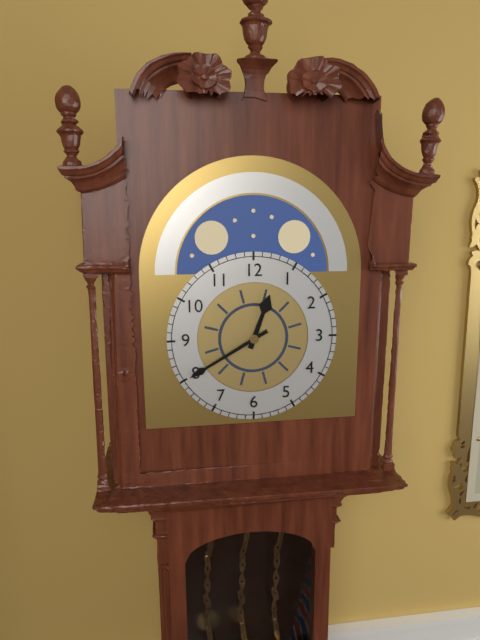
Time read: **12:40**
